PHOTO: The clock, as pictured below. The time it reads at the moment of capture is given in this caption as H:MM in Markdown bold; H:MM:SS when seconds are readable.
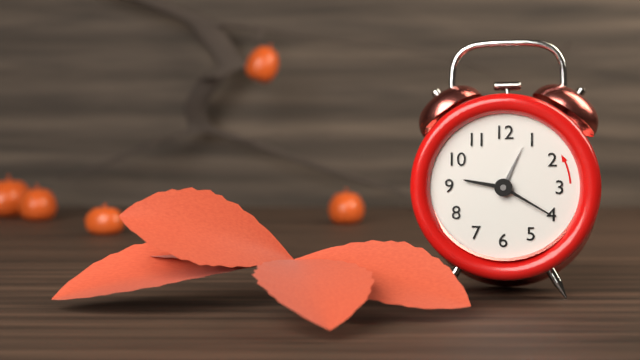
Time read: **9:20:04**
